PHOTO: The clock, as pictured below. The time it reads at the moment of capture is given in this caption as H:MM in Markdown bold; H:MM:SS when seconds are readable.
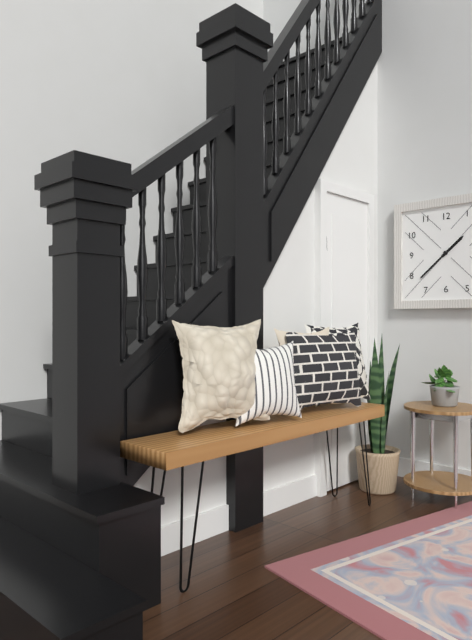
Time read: **1:38**
